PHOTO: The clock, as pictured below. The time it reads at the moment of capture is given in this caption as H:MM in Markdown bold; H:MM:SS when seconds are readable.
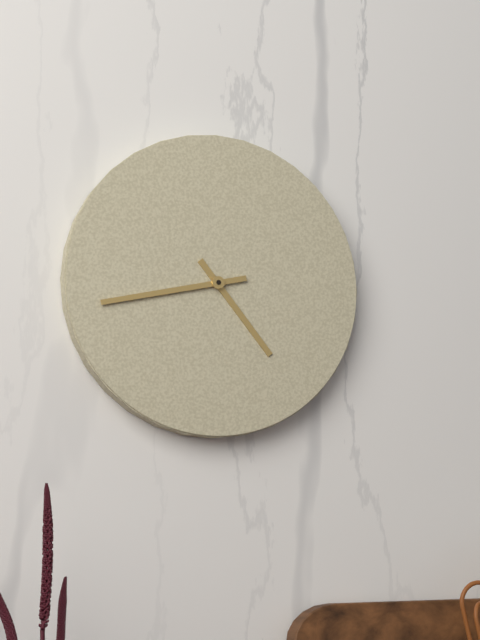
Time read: **4:43**
